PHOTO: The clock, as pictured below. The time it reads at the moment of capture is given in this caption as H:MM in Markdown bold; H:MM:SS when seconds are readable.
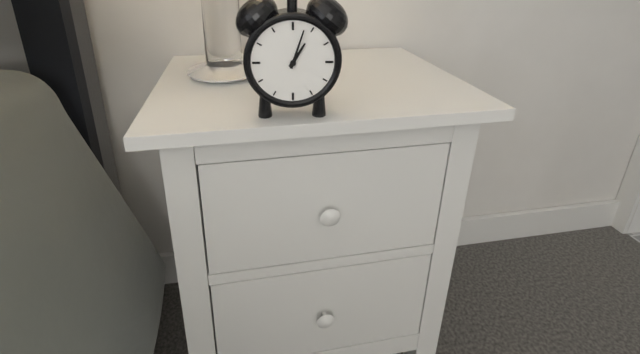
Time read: **1:03**
